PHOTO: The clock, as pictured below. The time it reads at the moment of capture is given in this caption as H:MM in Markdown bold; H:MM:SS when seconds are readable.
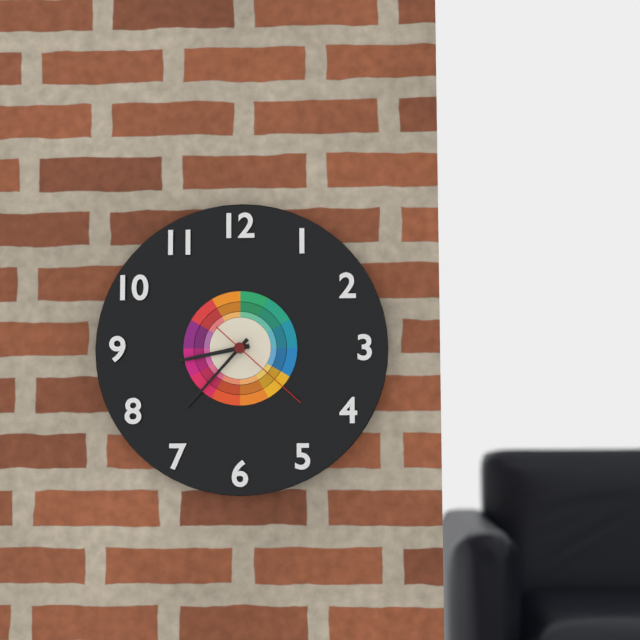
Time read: **8:37:22**
